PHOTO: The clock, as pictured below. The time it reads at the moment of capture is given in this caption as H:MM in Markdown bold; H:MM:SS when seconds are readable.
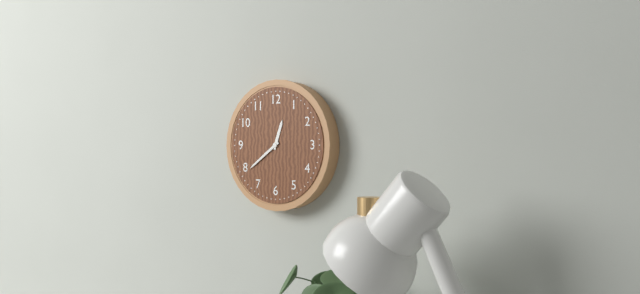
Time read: **12:39**
